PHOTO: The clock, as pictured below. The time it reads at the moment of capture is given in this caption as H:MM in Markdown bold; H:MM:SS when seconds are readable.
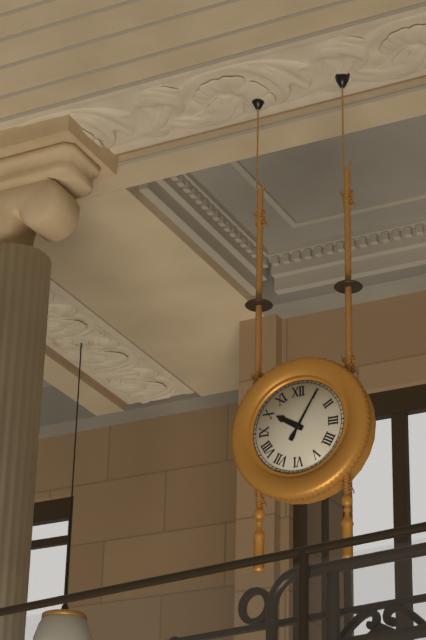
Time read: **10:05**
